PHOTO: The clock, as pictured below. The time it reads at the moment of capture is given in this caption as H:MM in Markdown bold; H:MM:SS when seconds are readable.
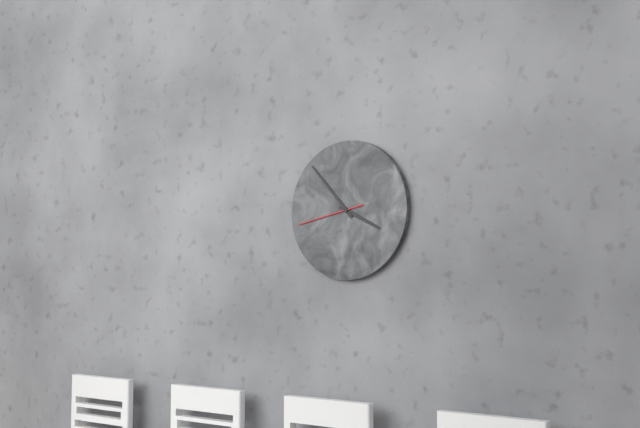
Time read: **3:53:43**
